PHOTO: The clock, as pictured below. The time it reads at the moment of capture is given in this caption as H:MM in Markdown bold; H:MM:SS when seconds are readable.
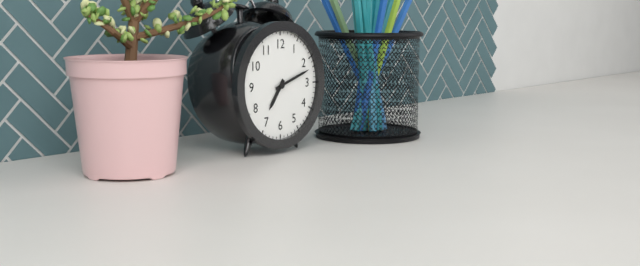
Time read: **7:12**
